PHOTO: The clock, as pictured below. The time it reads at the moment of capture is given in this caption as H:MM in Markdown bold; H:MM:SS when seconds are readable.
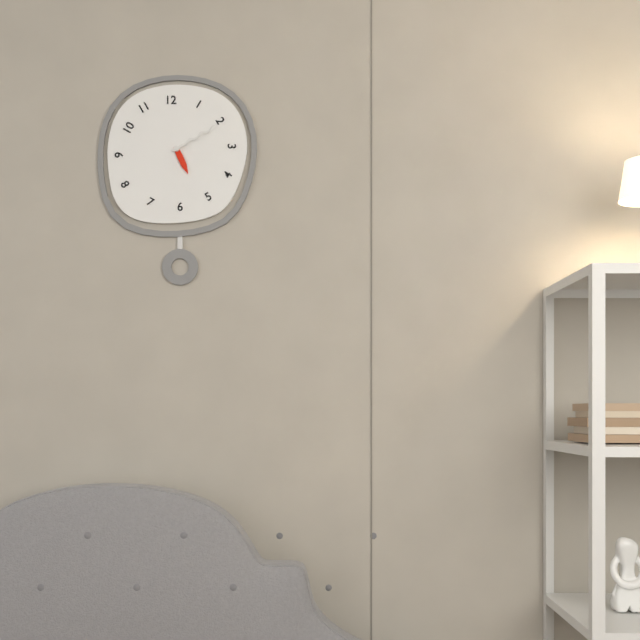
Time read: **5:10**
